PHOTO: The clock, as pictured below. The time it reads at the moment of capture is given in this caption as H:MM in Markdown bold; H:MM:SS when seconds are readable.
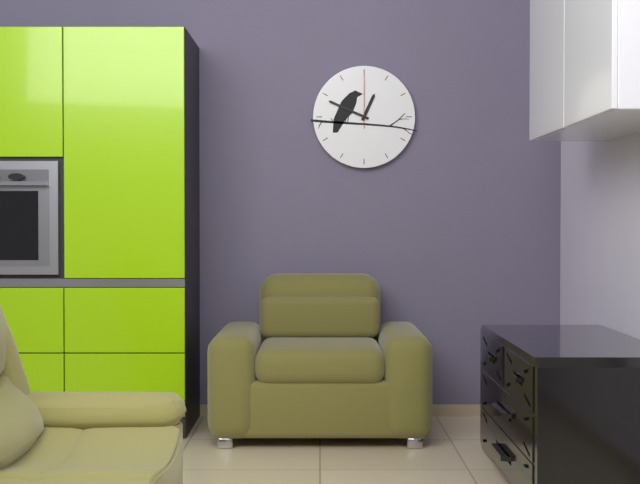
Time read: **12:49:00**
